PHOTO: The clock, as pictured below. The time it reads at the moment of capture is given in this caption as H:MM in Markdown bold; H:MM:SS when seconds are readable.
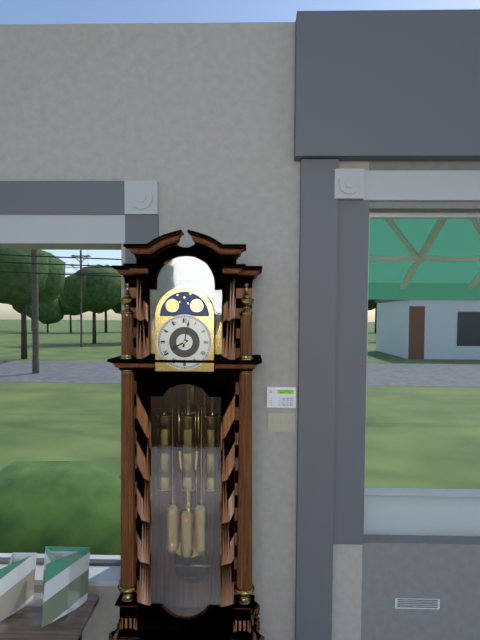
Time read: **8:02**
